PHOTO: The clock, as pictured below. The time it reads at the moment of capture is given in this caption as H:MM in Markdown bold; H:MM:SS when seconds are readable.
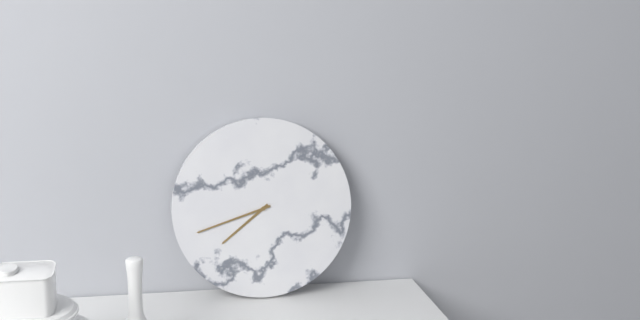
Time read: **7:42**
